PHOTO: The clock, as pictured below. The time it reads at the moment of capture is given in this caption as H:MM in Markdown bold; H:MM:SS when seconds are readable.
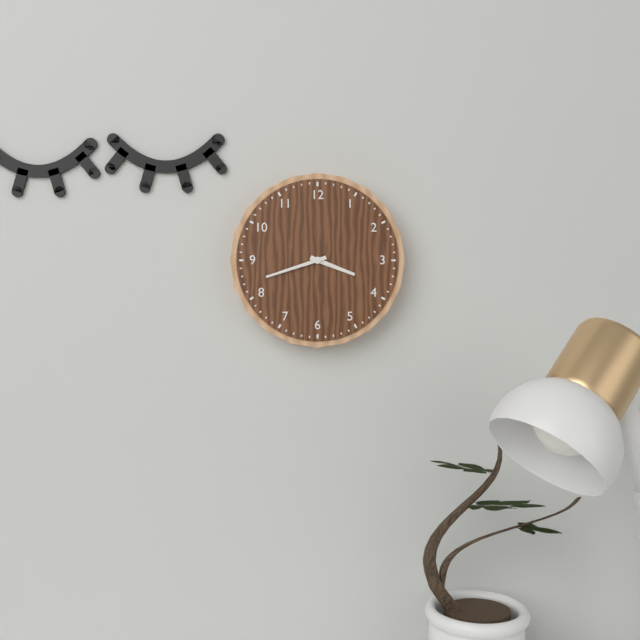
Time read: **3:42**
